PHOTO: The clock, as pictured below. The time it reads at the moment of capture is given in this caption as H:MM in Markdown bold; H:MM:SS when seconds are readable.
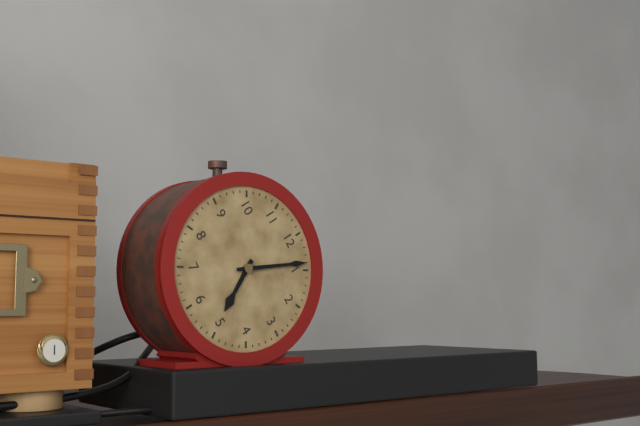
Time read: **5:04**
